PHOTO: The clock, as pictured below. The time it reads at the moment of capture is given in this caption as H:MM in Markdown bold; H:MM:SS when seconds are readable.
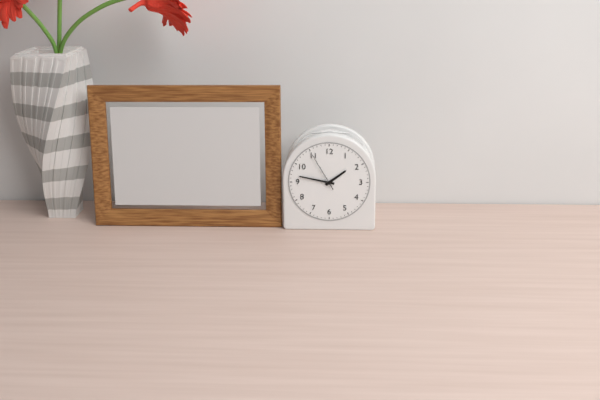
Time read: **1:47**
